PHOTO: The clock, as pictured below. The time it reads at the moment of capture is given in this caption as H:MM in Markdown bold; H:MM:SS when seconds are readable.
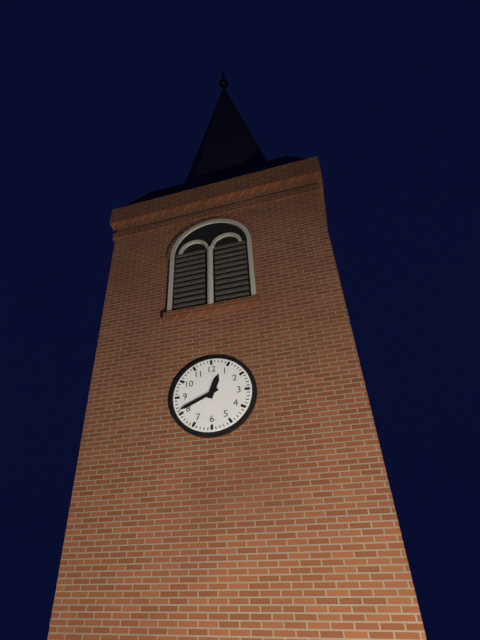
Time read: **12:41**
